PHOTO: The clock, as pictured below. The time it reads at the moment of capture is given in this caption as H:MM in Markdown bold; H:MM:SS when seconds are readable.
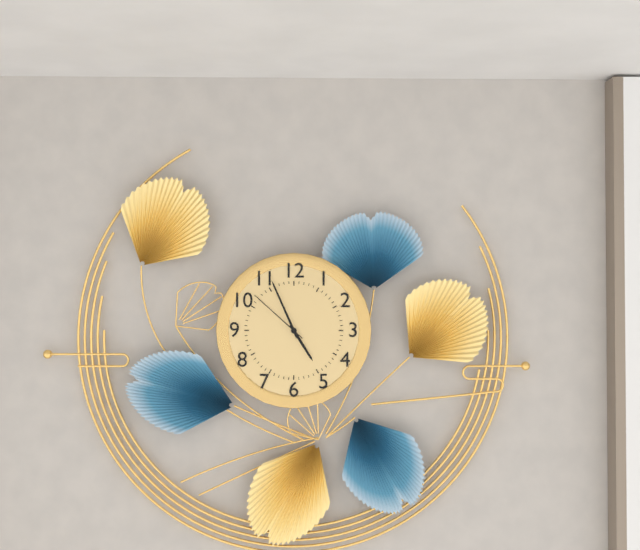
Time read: **4:56:52**
